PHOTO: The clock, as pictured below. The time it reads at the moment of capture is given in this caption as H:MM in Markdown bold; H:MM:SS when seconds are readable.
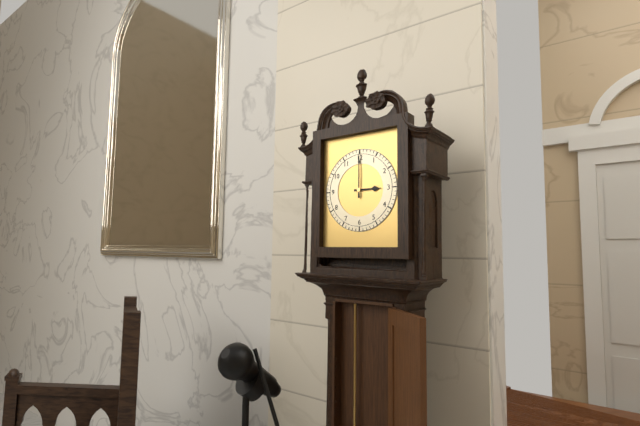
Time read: **3:00**
